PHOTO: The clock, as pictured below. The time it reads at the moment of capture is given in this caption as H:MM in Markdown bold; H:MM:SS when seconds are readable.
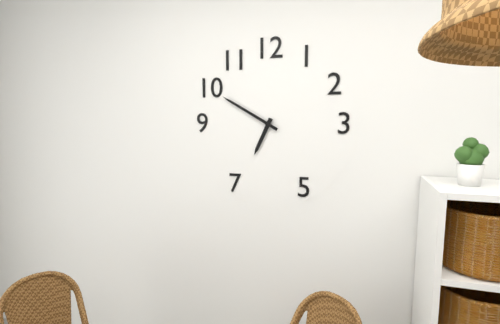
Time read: **6:50**
